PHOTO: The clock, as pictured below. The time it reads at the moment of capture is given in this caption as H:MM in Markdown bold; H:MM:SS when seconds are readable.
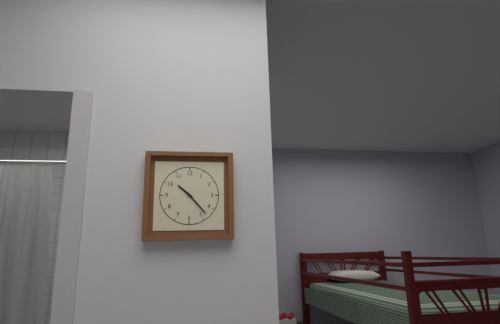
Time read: **10:23**
